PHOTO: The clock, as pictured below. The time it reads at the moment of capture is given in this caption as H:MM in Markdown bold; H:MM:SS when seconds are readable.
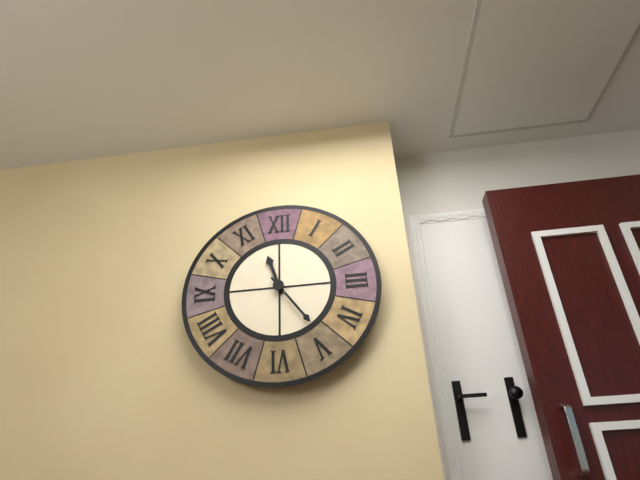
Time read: **11:24**
